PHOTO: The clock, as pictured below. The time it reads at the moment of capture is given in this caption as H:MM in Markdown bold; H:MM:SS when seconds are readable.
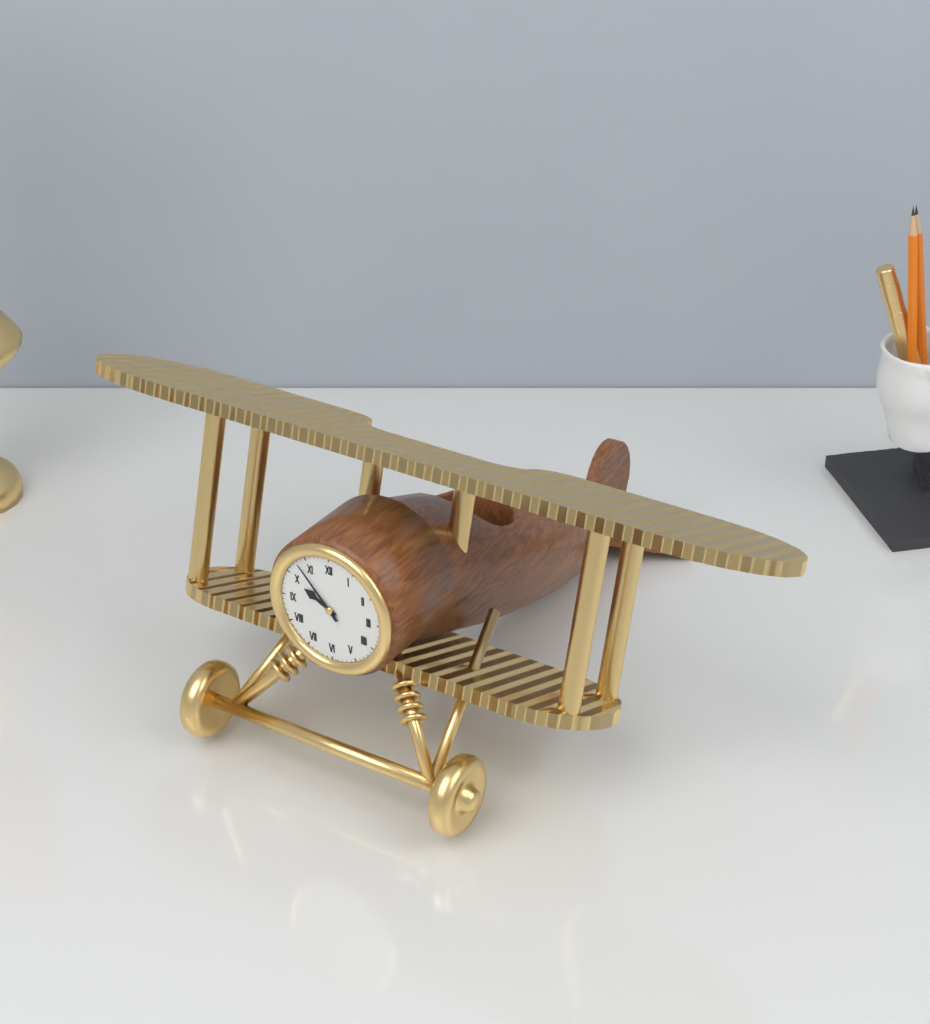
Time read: **9:53**
